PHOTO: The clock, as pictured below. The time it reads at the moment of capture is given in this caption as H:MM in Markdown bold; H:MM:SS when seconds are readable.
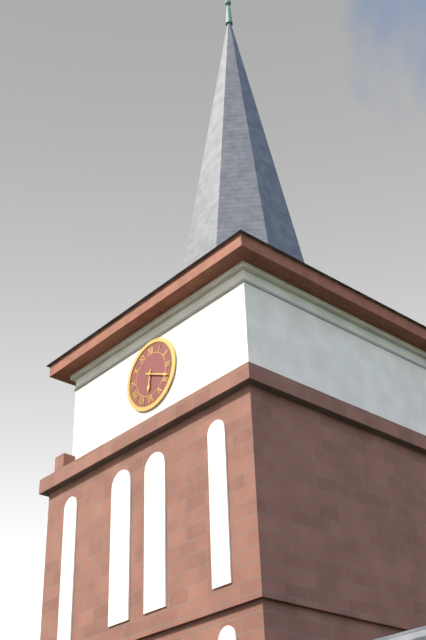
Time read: **6:19**
